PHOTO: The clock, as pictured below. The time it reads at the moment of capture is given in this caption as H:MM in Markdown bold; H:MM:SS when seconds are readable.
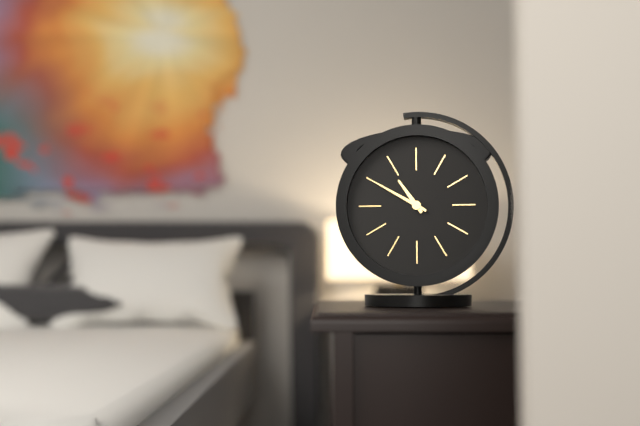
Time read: **10:50**
